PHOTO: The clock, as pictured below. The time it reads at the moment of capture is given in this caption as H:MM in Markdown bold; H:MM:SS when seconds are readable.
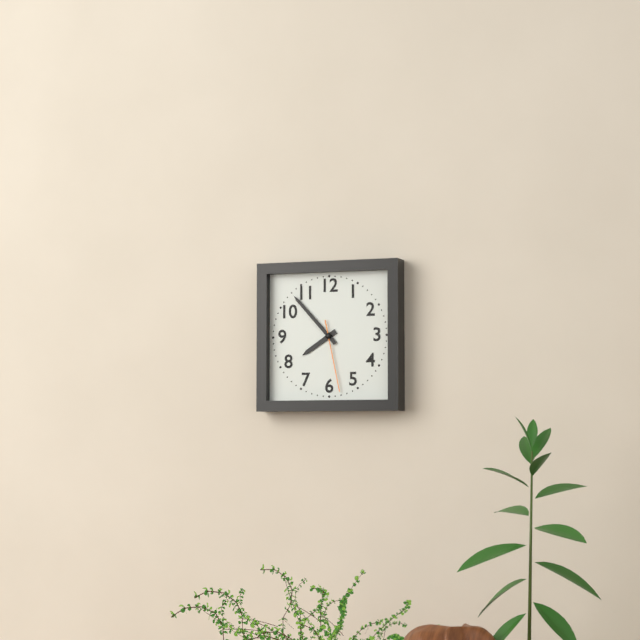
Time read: **7:53:28**
